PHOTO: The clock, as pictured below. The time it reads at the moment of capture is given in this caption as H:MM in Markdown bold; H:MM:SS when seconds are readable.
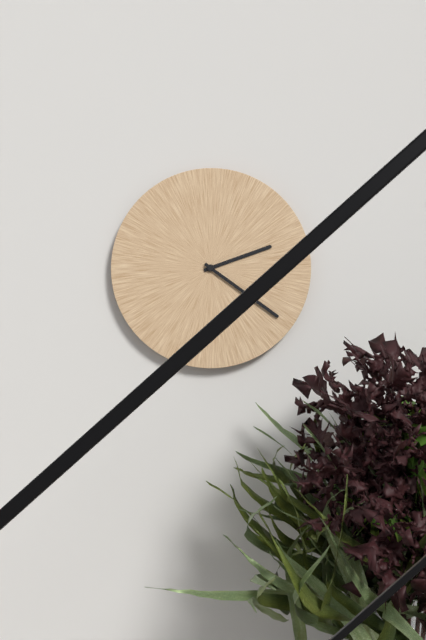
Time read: **2:21**
